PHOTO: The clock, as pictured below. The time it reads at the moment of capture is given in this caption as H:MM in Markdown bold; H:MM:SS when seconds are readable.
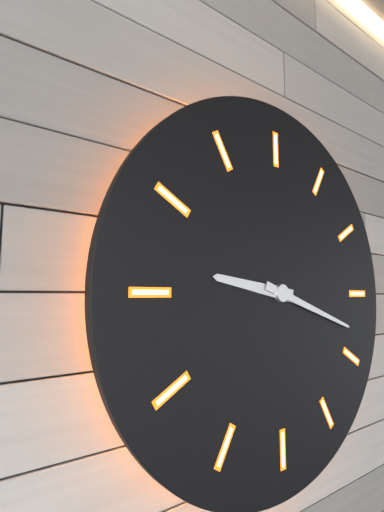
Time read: **9:18**
